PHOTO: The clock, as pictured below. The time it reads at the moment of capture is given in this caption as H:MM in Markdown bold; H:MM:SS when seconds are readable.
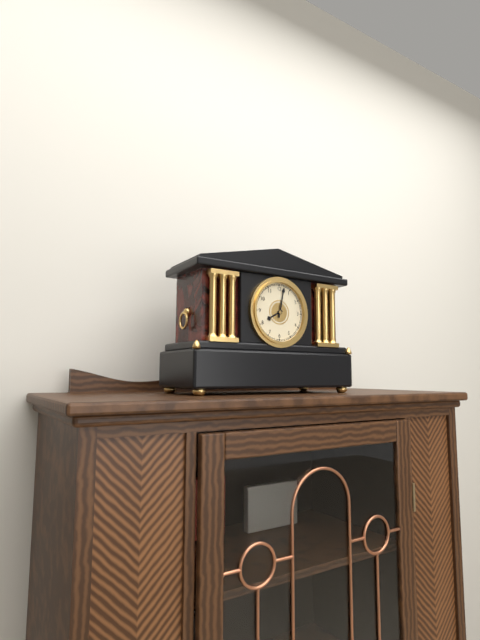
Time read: **8:02**
